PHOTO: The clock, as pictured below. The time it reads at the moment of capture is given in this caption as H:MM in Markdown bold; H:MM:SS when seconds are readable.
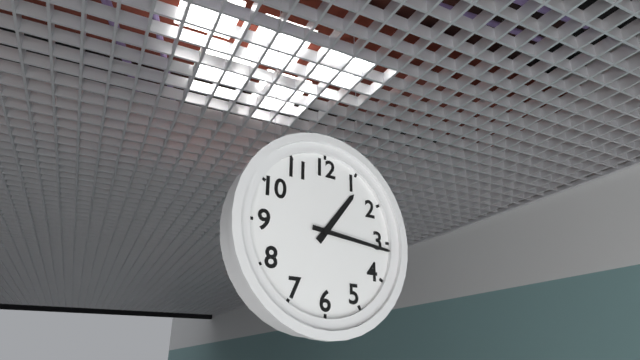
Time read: **1:16**
